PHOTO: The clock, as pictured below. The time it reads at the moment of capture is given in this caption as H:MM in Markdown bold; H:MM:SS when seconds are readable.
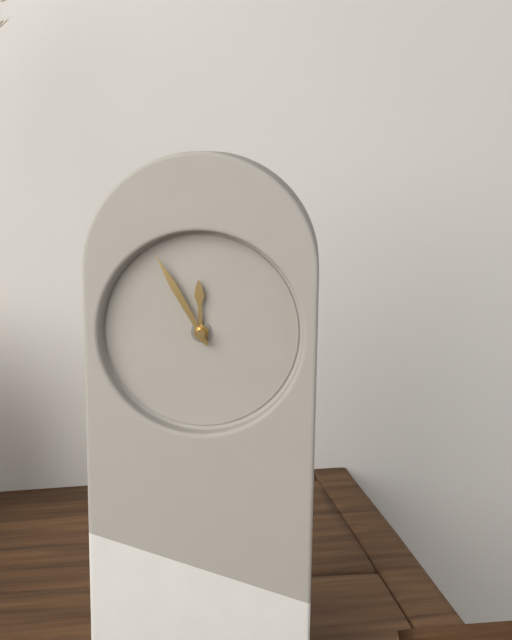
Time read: **11:55**
